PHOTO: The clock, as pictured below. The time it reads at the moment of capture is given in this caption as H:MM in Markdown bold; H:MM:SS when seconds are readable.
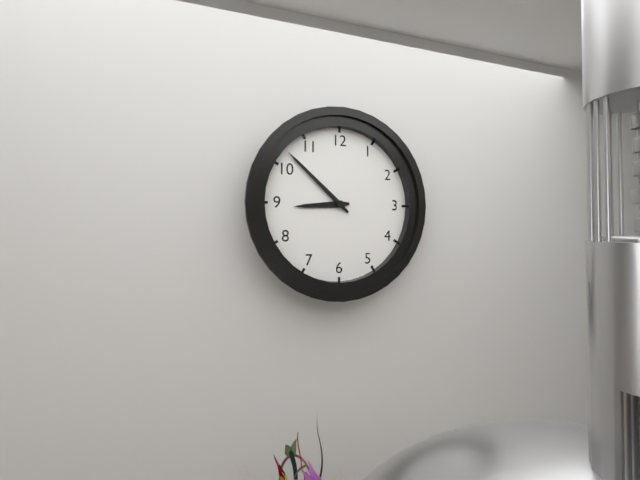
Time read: **8:52**
